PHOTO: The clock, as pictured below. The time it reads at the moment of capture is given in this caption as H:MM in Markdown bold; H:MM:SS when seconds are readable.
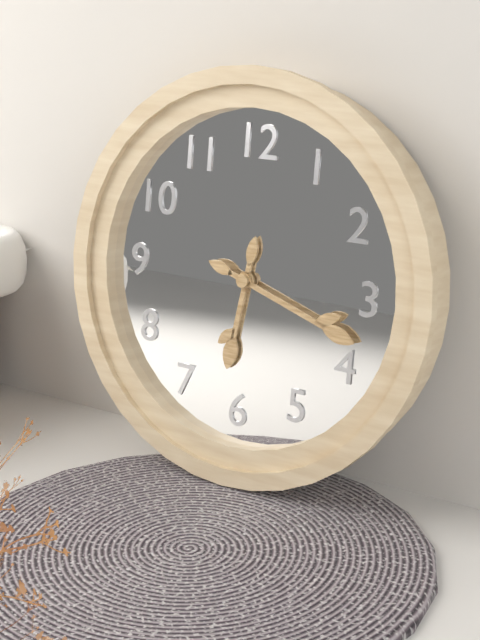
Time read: **6:18**
